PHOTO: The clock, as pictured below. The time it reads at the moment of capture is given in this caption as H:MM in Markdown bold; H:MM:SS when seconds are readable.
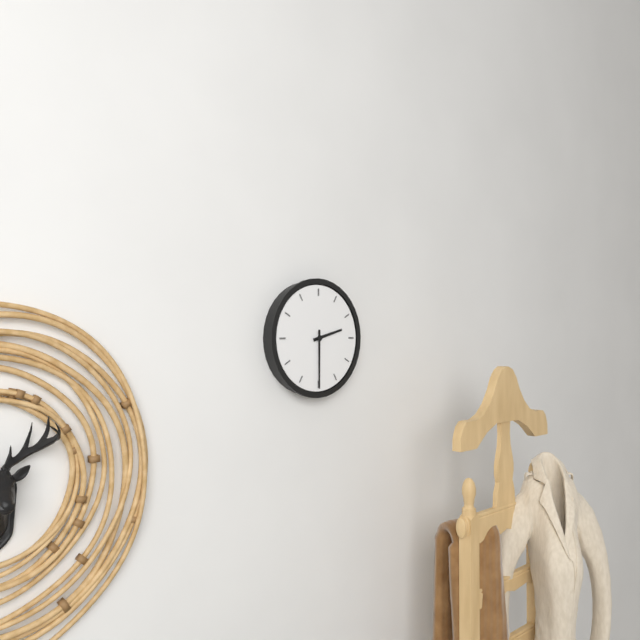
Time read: **2:30**
